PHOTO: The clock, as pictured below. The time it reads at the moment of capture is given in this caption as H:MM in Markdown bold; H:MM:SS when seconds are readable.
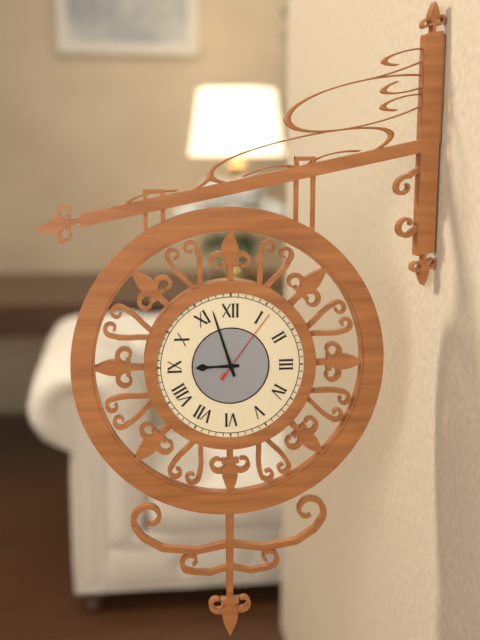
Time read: **8:57:06**
